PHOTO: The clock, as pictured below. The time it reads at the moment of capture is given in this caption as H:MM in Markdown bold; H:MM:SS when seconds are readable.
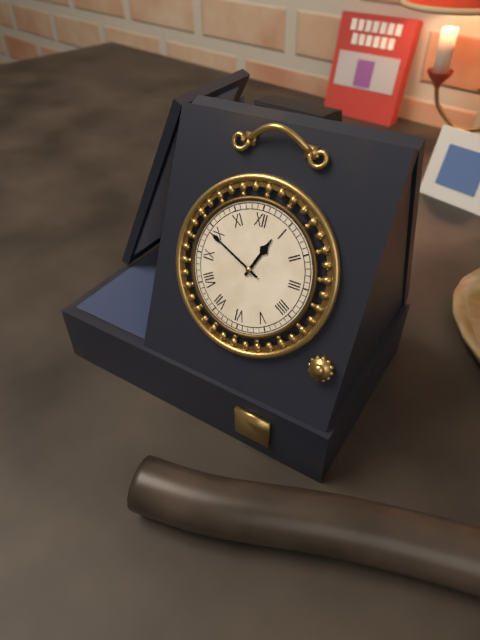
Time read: **12:49**
